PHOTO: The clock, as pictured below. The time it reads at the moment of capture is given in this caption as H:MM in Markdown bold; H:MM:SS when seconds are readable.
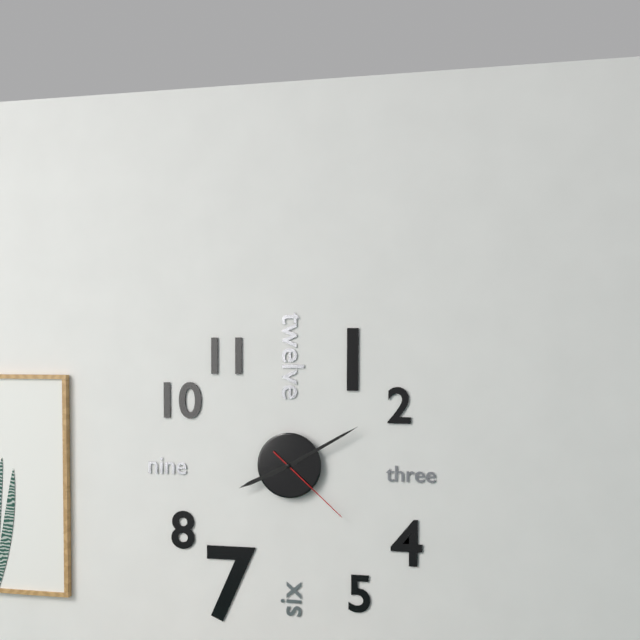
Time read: **8:10:22**
